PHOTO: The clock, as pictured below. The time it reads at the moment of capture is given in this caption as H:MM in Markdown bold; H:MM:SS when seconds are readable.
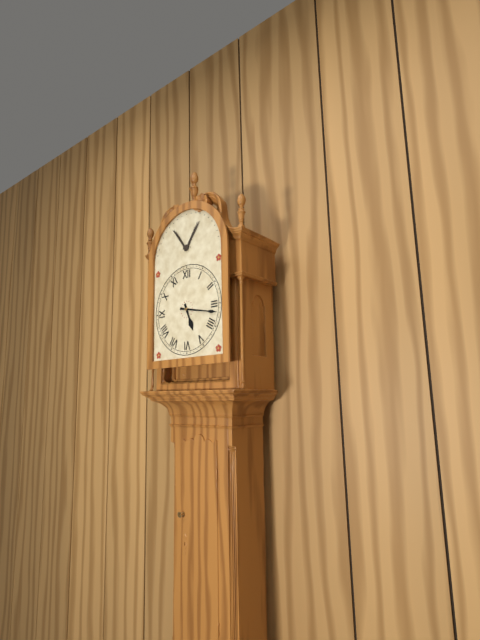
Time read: **5:17**
